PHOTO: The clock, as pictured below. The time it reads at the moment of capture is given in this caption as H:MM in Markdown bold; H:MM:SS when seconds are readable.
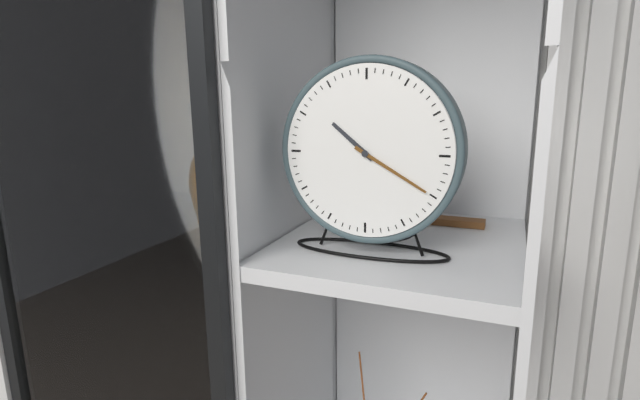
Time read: **10:20**
